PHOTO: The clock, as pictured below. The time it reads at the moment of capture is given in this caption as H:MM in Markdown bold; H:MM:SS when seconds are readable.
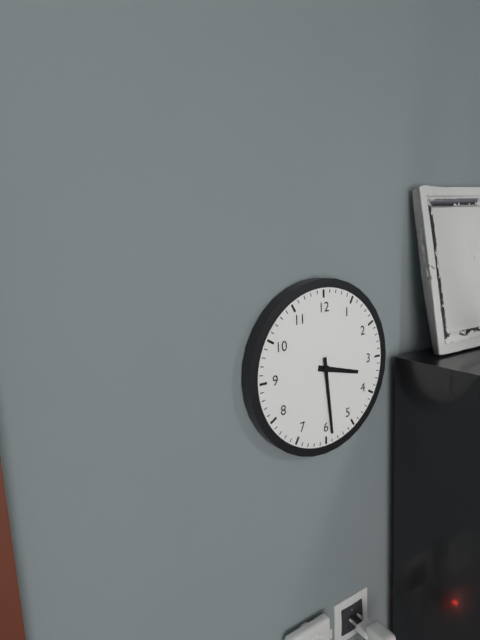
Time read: **3:29**
